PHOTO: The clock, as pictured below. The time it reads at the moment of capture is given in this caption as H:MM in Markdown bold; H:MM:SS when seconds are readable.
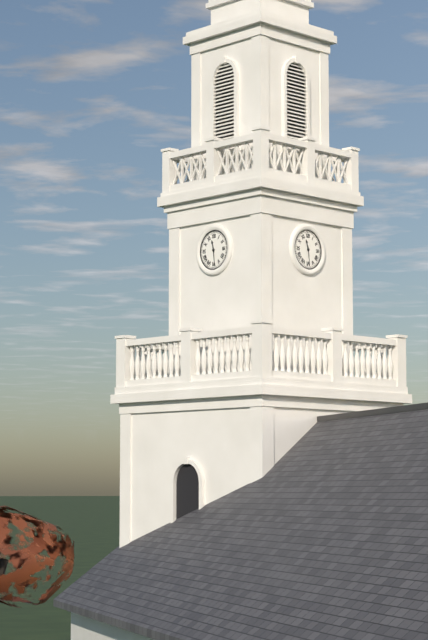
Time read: **11:29**
